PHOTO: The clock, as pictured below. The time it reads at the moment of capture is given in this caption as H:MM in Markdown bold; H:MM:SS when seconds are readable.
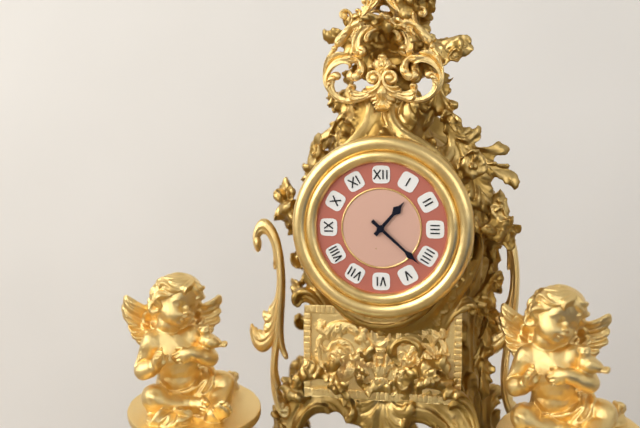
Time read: **1:22**
